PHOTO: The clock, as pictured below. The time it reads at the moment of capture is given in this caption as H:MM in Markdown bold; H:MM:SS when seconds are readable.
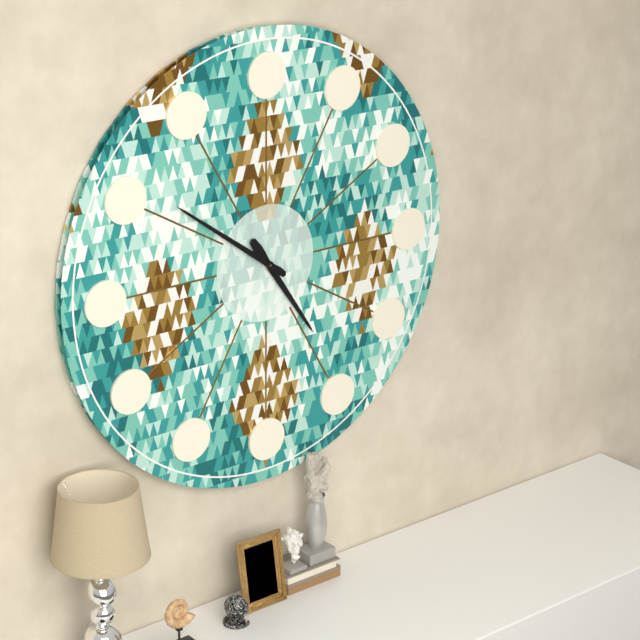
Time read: **4:51**
